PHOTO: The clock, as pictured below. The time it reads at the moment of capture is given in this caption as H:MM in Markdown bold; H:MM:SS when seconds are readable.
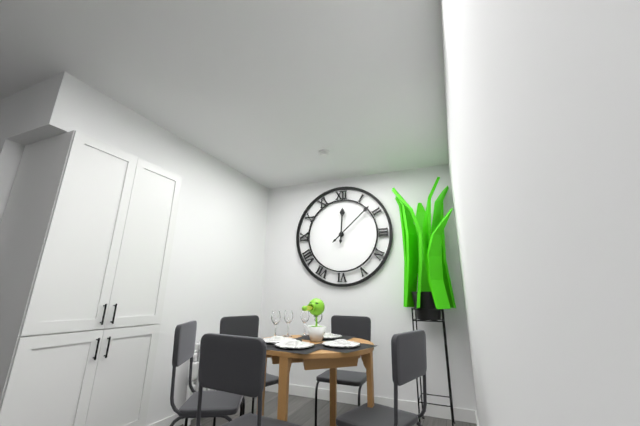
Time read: **12:08**
